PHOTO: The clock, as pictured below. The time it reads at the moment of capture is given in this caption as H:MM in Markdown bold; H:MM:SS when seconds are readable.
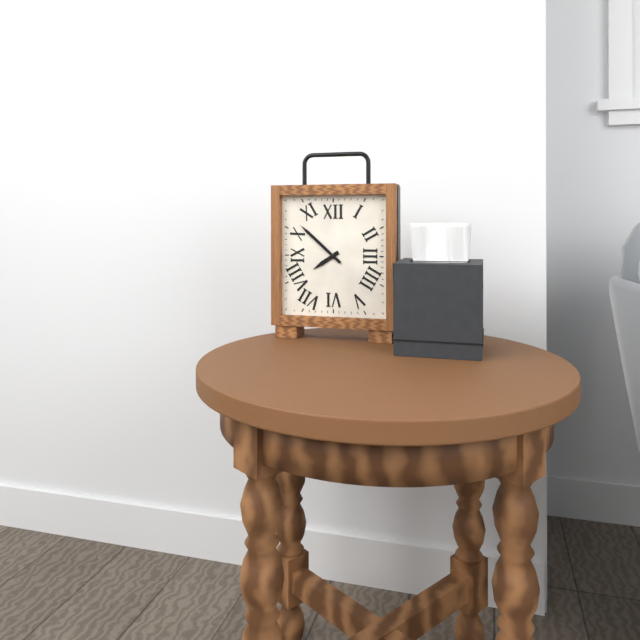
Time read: **7:52**
